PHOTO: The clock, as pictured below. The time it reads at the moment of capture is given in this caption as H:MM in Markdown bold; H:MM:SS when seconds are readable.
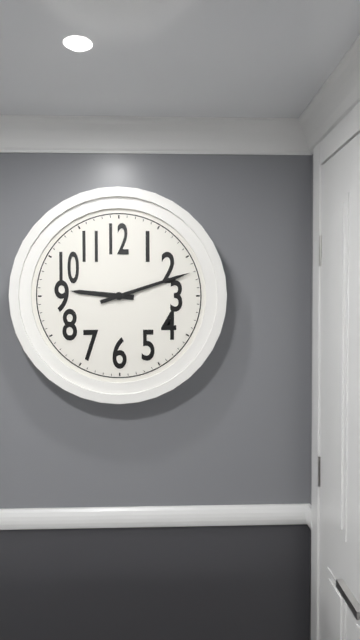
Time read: **9:12**
